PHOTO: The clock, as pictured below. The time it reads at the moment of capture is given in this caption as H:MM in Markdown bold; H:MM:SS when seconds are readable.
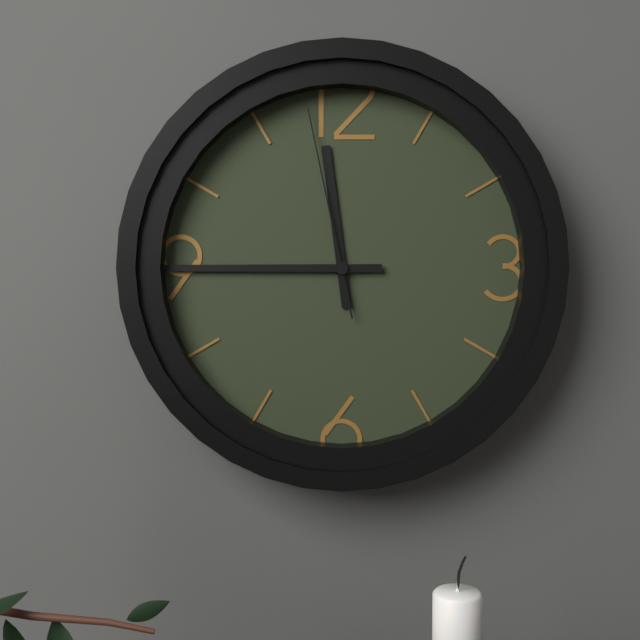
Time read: **11:45:58**
